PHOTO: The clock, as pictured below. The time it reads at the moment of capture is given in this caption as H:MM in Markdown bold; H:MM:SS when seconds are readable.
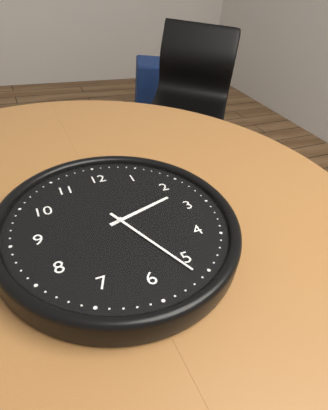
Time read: **2:26**
